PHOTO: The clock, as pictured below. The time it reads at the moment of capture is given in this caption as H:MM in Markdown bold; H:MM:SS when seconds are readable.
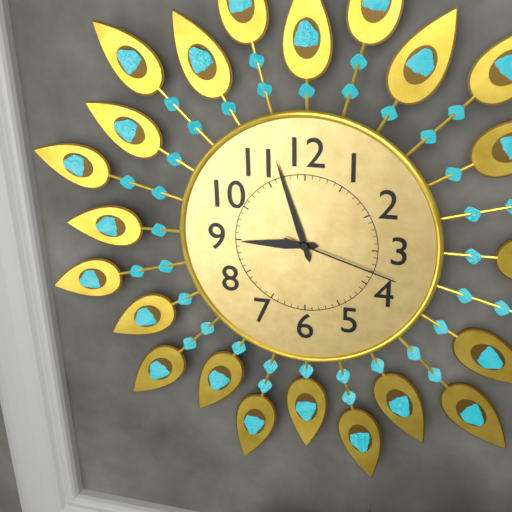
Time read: **8:57:18**
